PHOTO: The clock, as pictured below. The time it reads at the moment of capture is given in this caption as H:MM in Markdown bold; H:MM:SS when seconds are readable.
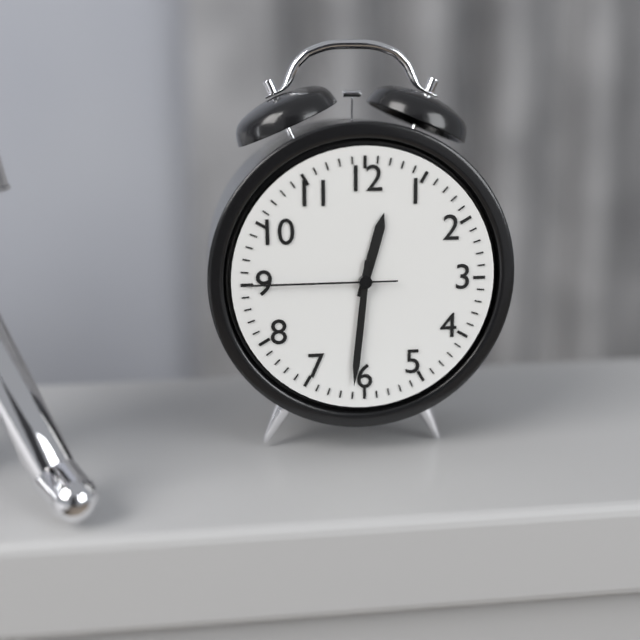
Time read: **12:31:45**
